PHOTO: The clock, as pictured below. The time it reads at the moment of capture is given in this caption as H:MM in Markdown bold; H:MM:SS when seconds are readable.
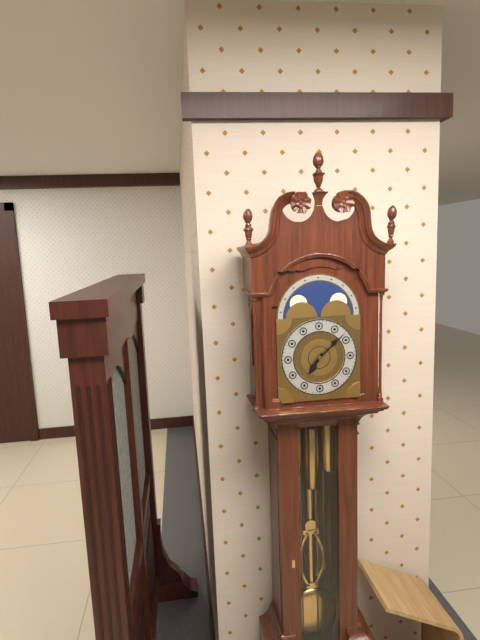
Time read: **7:08**
